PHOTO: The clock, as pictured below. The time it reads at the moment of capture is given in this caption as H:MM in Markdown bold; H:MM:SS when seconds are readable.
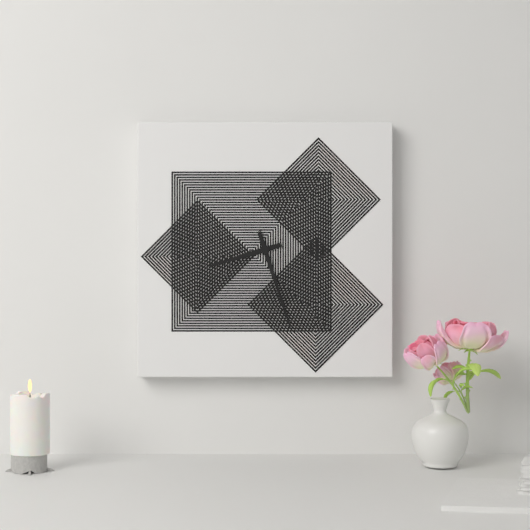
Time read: **8:27**
